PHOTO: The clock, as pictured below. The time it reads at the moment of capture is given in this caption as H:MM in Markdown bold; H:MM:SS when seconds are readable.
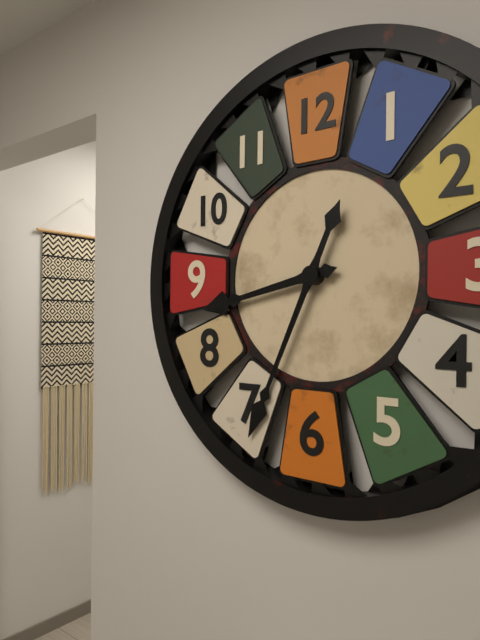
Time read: **8:34**
